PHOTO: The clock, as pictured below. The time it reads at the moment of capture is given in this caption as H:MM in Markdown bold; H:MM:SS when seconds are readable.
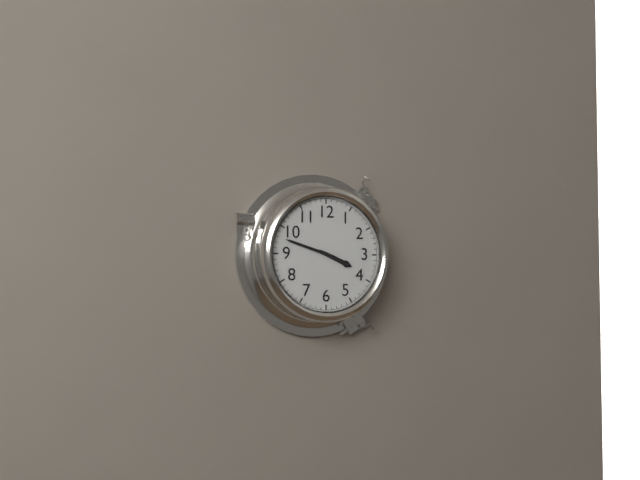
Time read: **3:48**
